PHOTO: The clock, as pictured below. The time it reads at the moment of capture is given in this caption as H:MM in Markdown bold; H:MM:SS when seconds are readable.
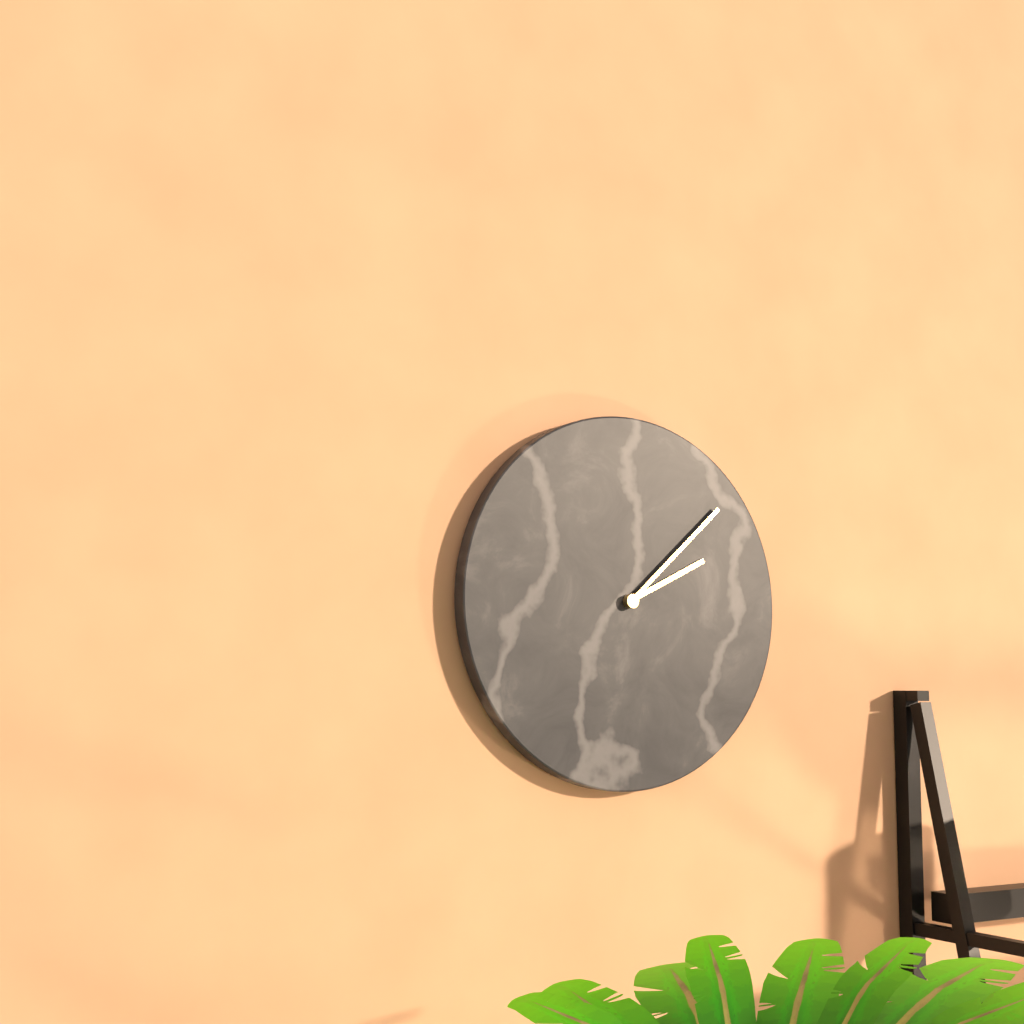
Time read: **2:08**
